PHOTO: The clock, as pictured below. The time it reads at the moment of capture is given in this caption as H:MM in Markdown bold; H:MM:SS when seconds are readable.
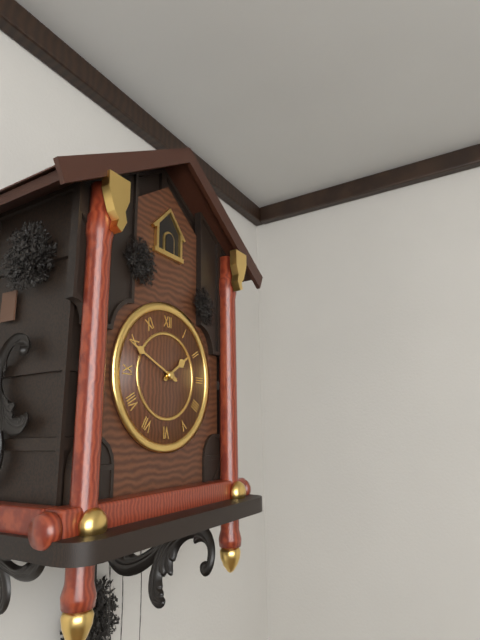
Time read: **1:49**
